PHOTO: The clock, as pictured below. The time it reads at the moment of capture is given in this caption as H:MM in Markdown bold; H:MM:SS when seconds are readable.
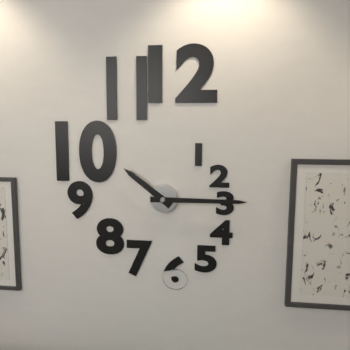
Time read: **10:15**
